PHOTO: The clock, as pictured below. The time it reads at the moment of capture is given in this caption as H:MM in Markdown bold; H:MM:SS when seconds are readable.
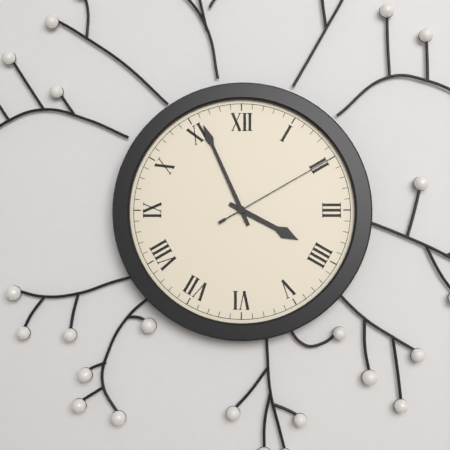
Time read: **3:56:10**
